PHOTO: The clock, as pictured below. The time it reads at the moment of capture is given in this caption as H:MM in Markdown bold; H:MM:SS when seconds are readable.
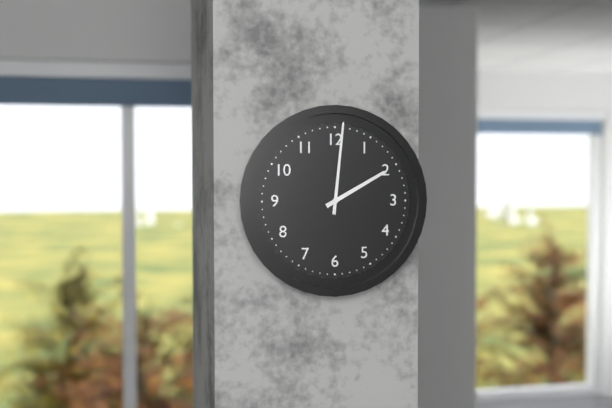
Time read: **2:01**
